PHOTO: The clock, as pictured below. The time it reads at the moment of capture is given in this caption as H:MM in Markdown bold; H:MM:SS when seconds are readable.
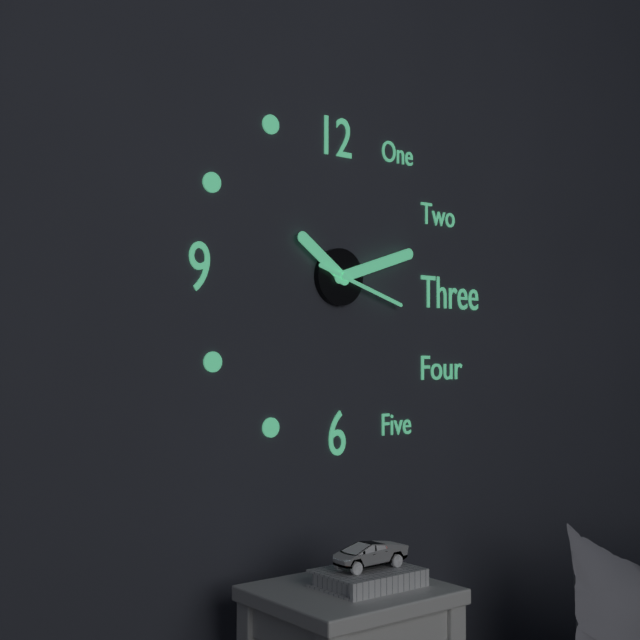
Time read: **10:12:18**
